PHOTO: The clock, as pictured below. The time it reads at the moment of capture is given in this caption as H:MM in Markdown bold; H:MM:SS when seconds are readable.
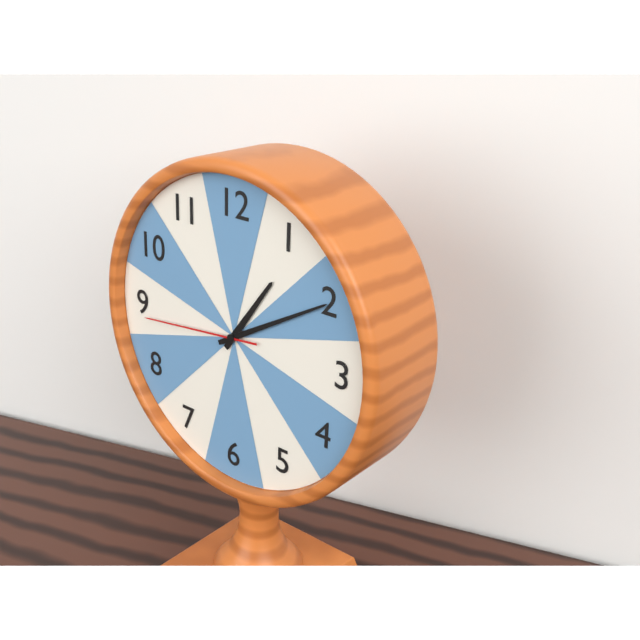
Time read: **1:10:44**
